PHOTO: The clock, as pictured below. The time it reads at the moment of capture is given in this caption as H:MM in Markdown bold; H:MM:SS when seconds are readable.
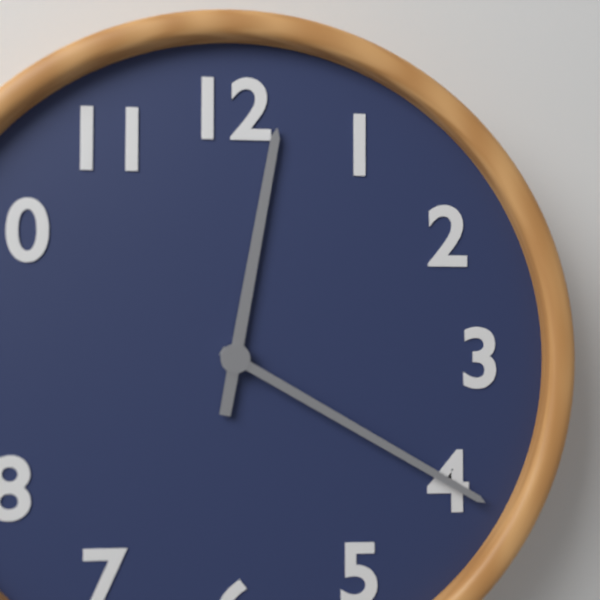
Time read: **12:20**
